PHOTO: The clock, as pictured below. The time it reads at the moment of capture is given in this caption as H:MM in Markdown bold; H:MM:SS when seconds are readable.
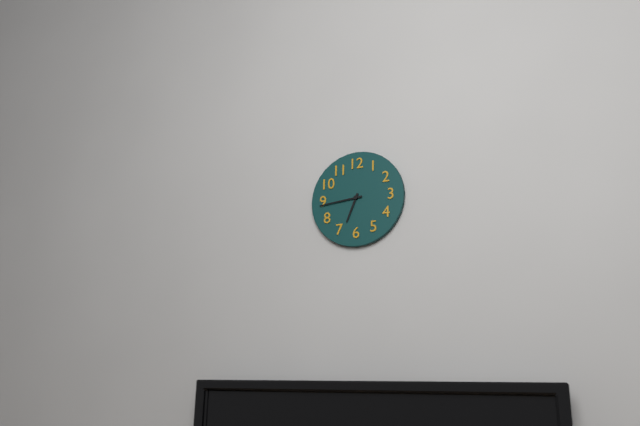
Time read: **6:44**
